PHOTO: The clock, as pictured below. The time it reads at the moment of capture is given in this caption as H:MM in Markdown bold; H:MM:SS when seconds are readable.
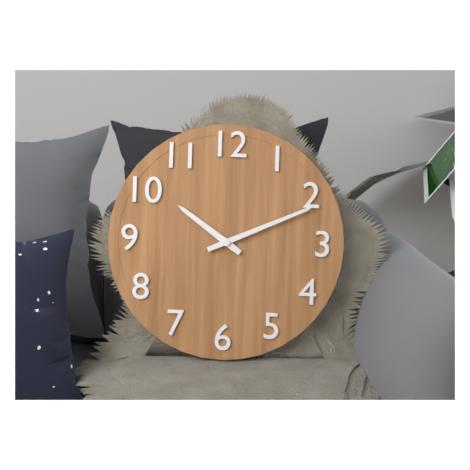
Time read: **10:11**
